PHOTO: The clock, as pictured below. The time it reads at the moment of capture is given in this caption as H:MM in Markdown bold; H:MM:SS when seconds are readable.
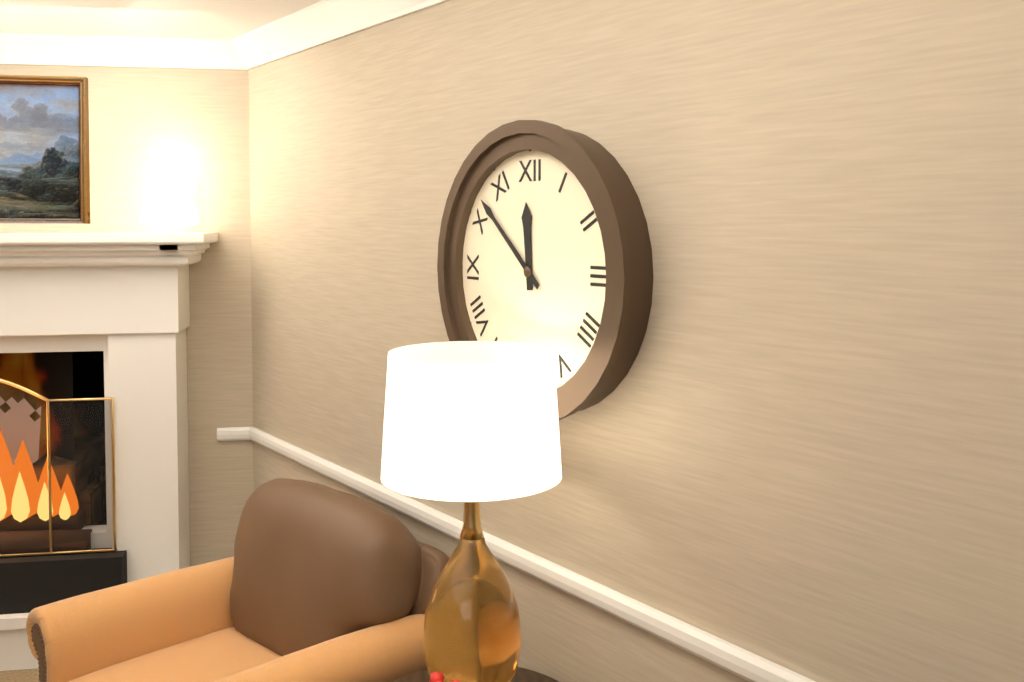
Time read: **11:52**
